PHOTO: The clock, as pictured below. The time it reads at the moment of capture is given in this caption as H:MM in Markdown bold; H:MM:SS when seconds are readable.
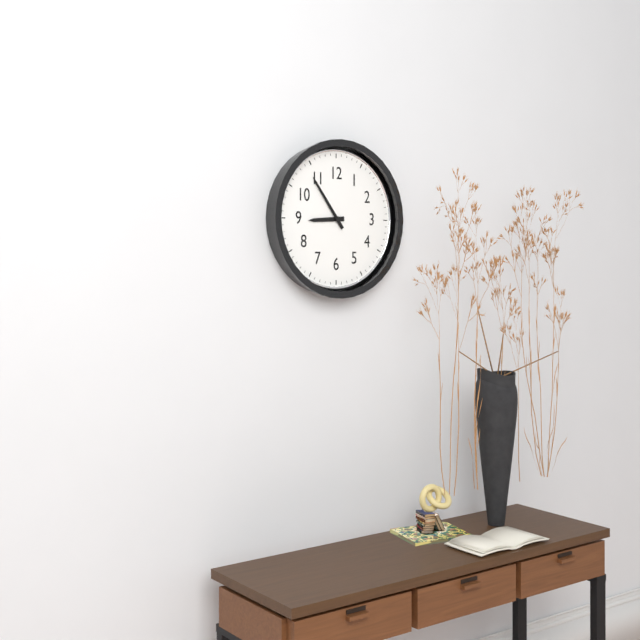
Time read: **8:54**
